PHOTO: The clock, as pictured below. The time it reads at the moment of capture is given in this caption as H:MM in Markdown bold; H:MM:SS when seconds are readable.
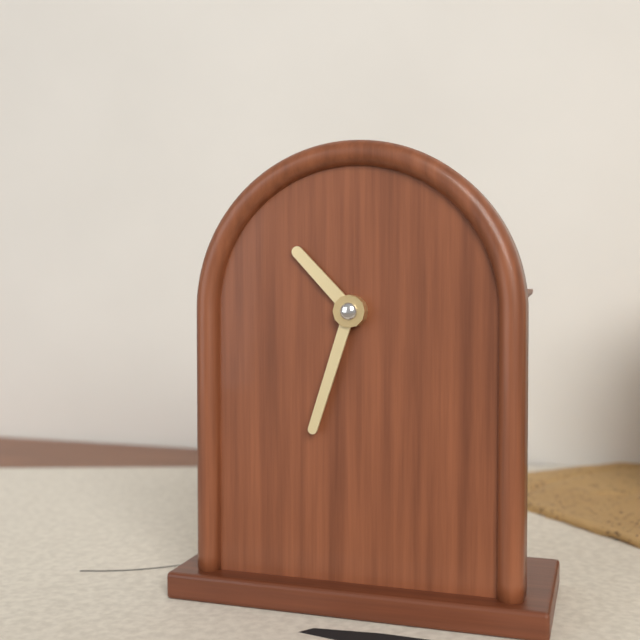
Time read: **10:33**
